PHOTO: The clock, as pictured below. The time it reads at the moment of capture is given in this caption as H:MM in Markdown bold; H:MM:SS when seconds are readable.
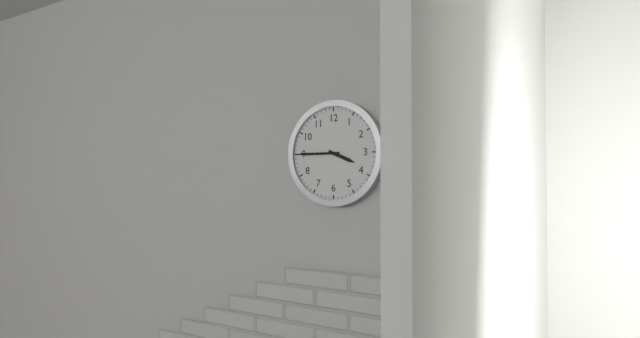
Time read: **3:45**
